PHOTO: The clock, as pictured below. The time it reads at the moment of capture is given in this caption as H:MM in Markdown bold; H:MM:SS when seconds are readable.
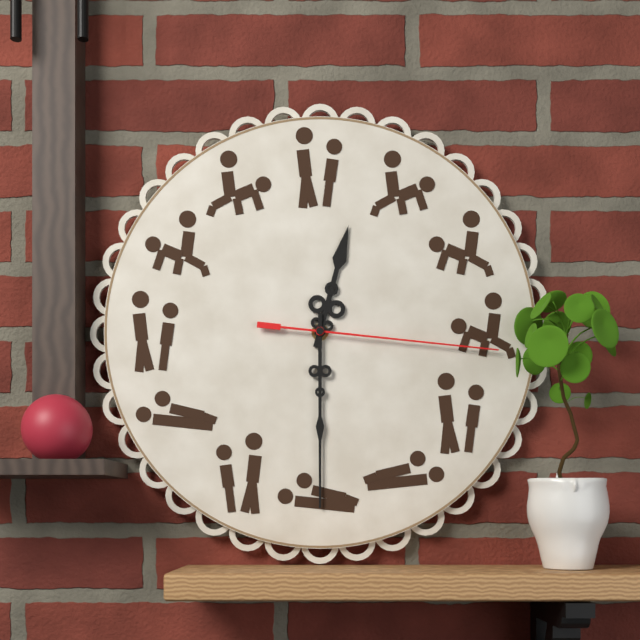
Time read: **12:30:16**
